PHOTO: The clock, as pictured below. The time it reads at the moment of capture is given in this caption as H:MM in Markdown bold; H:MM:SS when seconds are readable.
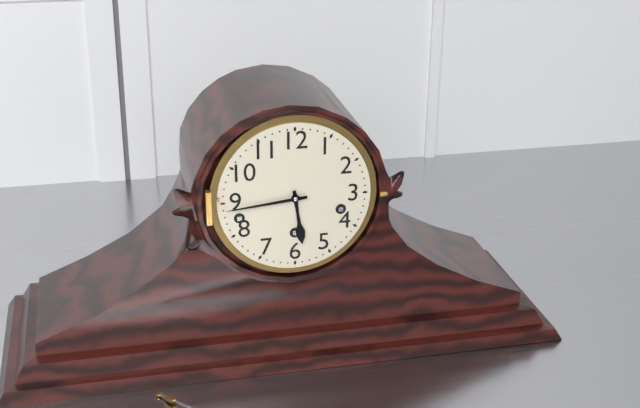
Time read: **5:44**
